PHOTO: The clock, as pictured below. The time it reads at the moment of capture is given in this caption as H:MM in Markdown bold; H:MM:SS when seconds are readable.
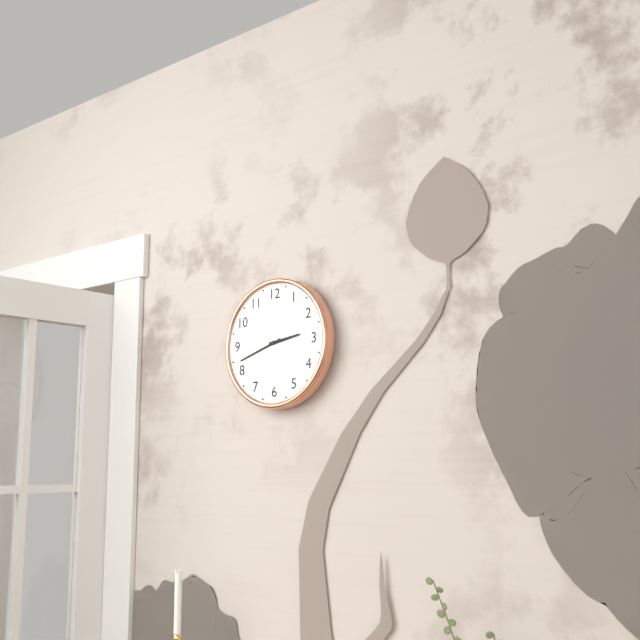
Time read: **2:42**
